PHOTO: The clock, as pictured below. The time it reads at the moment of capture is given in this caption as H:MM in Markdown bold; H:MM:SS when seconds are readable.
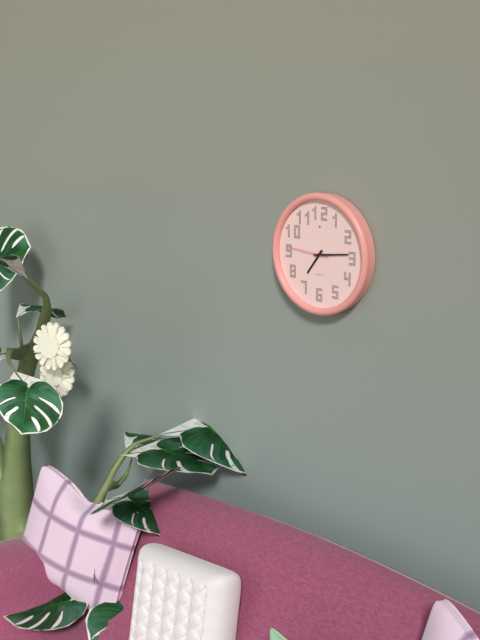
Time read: **7:14**
